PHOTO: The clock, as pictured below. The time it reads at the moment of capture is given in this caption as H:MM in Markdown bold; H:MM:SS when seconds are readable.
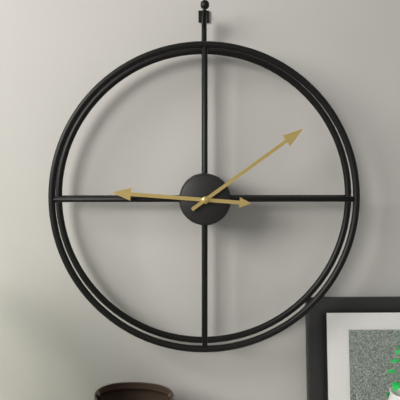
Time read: **9:09**
